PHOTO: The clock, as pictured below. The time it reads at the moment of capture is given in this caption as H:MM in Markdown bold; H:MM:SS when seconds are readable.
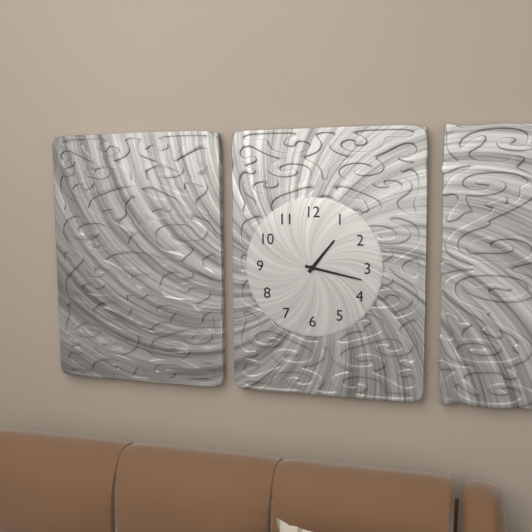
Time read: **1:17**
